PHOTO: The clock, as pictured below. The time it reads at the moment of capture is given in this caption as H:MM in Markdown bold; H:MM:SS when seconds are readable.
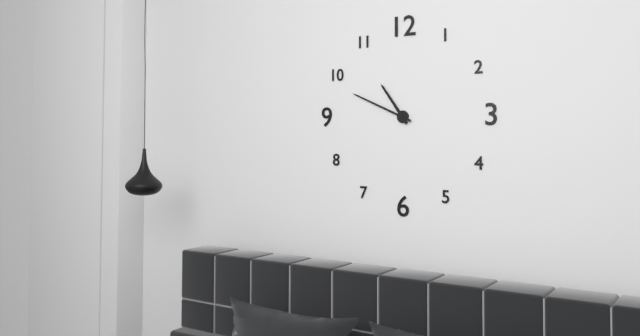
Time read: **10:49**
